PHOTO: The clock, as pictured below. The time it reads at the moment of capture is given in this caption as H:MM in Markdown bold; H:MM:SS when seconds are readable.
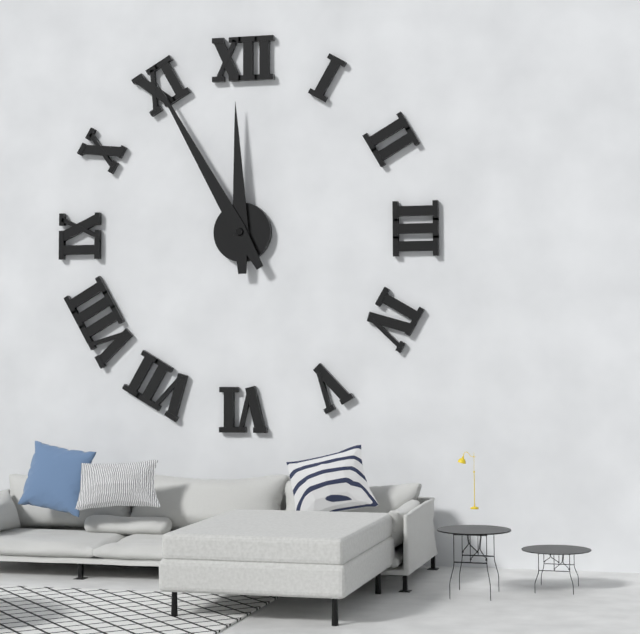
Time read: **11:55**
